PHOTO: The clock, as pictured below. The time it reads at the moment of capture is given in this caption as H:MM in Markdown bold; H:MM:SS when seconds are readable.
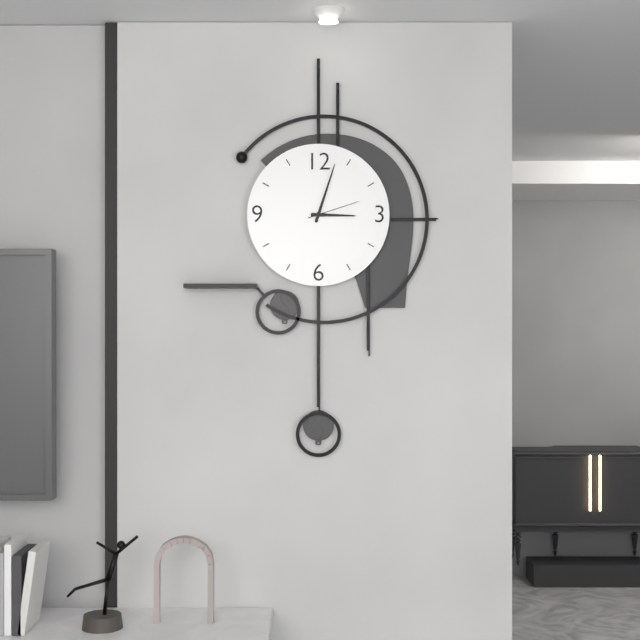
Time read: **3:03:12**
